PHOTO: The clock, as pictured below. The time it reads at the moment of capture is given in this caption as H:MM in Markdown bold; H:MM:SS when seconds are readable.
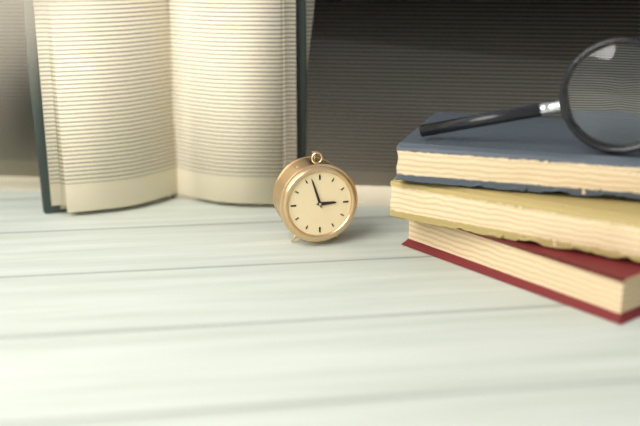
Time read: **2:57**
